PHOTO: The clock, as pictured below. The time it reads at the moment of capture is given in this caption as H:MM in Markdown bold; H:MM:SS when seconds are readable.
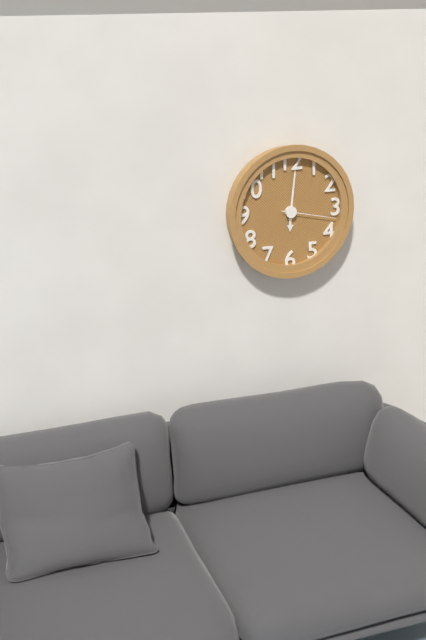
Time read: **6:01:17**
